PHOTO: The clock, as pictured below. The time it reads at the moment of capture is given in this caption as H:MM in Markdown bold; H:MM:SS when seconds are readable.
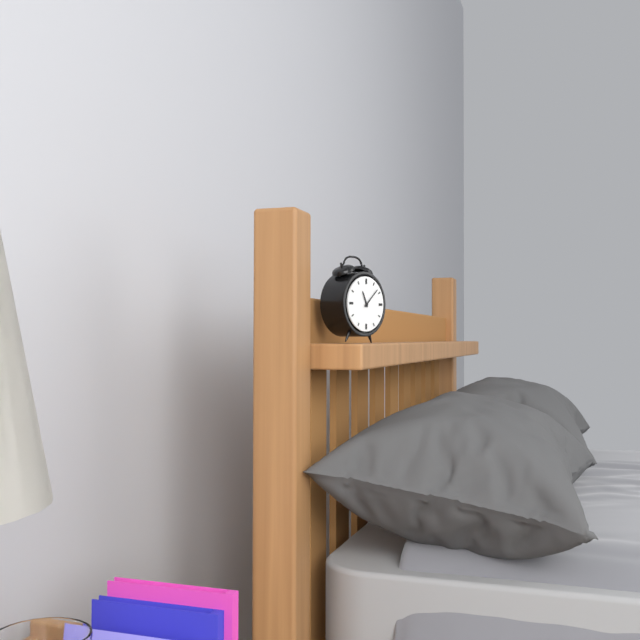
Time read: **11:08**
